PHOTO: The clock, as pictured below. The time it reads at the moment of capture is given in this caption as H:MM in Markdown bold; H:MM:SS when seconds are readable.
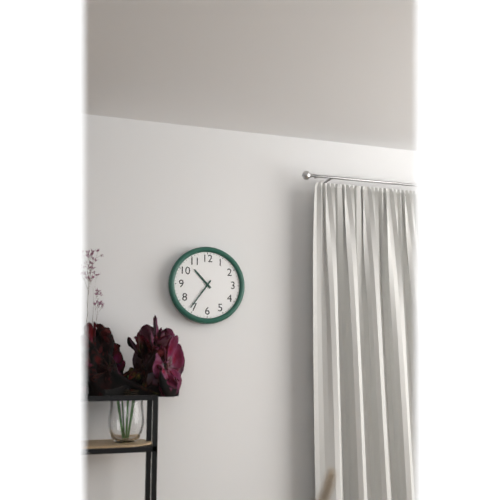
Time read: **10:36**
